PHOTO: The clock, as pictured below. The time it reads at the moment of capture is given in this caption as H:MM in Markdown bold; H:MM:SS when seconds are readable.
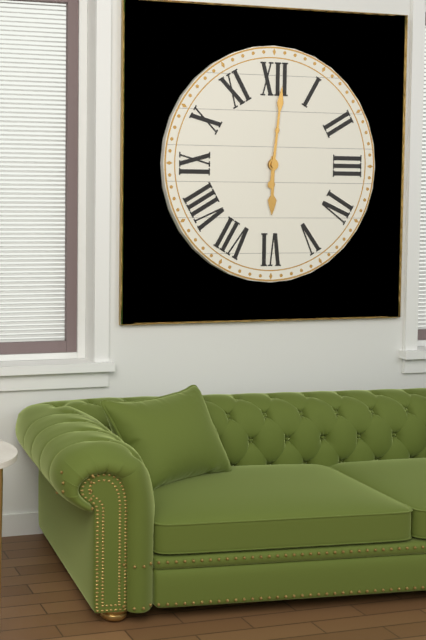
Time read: **6:01**
